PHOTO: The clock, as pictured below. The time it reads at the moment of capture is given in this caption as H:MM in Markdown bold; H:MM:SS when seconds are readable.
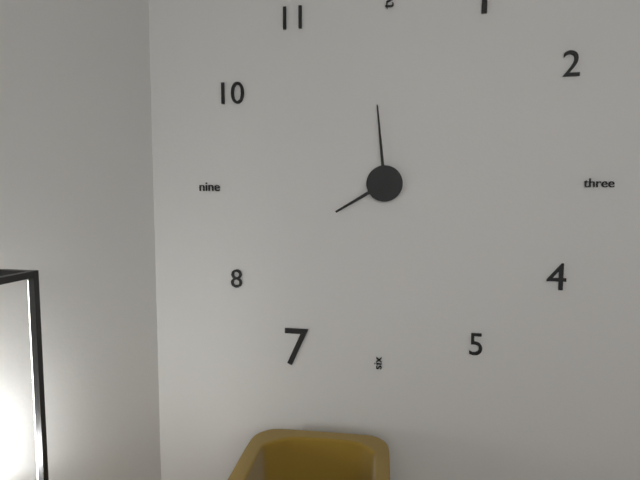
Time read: **7:59**
